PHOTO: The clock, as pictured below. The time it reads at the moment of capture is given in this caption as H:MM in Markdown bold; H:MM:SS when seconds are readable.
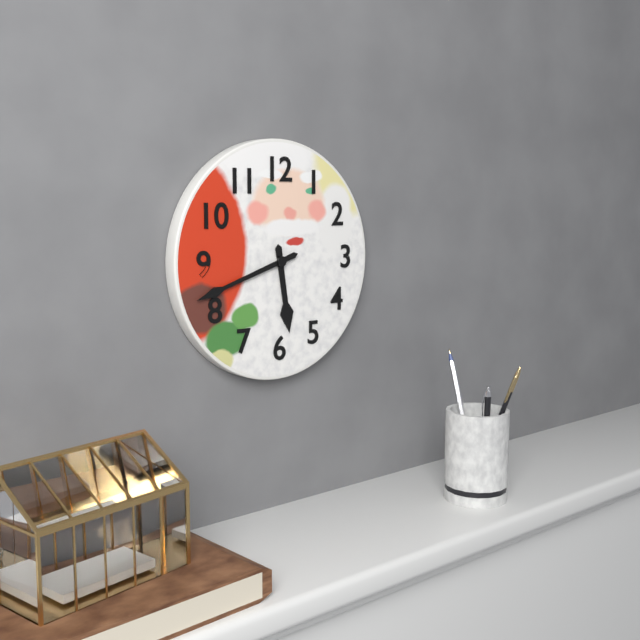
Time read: **5:42**
